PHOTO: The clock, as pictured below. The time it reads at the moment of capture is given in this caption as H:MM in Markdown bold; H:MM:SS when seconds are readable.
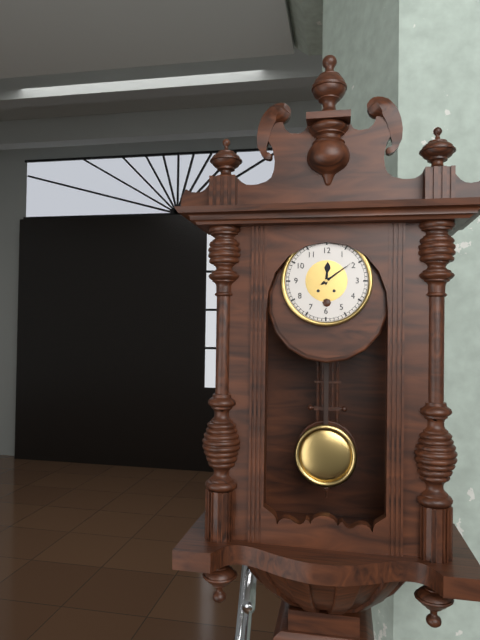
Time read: **12:09**
